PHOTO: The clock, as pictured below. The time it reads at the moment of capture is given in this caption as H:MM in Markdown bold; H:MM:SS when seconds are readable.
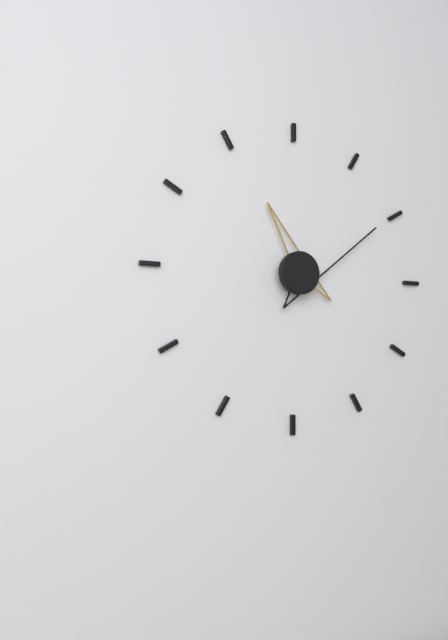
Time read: **11:10**
